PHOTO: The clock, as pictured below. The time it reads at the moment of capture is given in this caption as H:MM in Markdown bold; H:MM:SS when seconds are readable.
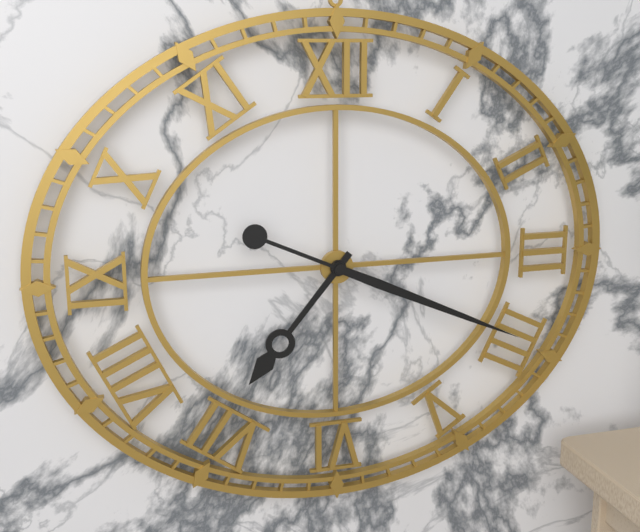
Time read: **7:19**
